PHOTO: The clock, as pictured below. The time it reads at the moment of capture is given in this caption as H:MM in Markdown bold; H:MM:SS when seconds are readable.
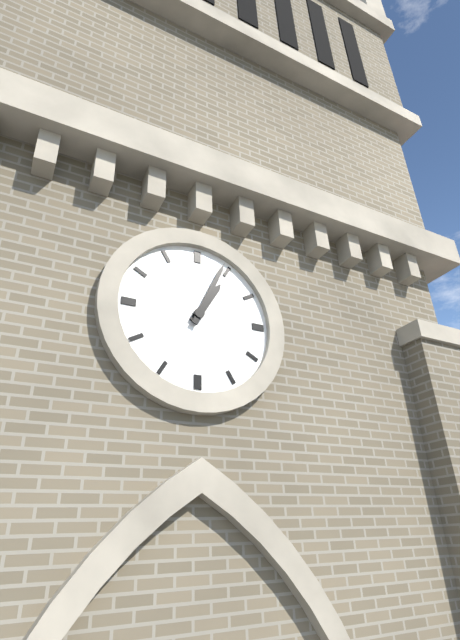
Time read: **1:04**
